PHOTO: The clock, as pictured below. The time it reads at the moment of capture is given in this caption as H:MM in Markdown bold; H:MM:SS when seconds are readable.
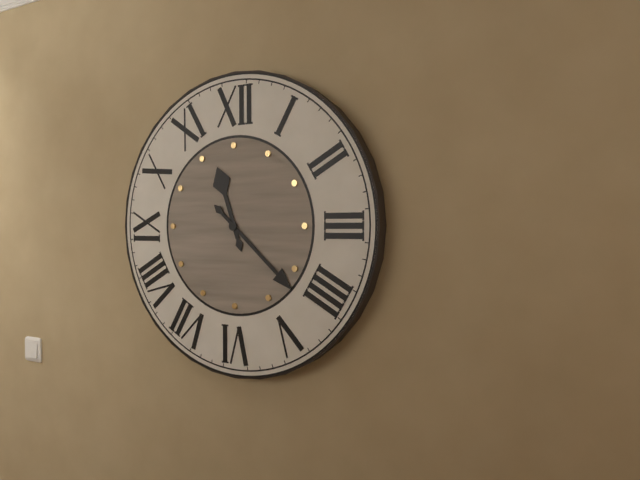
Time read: **11:22**
